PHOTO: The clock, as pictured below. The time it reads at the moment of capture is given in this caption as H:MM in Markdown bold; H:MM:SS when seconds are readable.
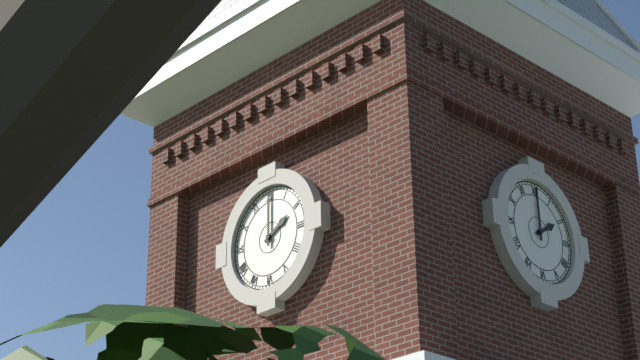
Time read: **2:00**
